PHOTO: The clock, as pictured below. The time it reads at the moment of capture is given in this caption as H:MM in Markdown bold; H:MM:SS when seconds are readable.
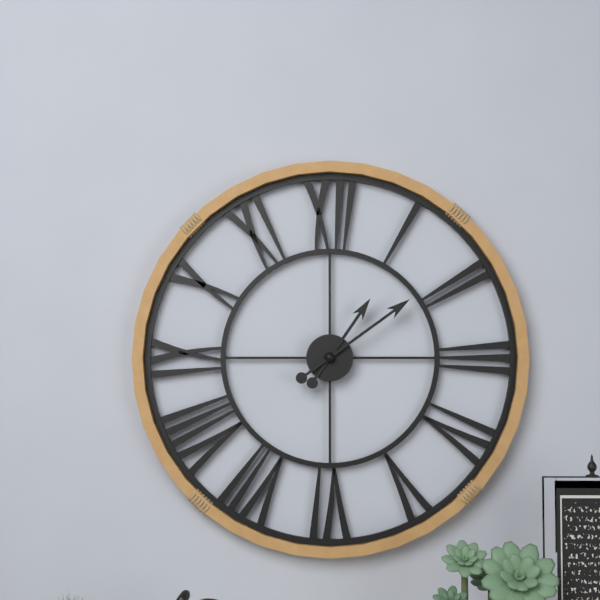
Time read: **1:09**
